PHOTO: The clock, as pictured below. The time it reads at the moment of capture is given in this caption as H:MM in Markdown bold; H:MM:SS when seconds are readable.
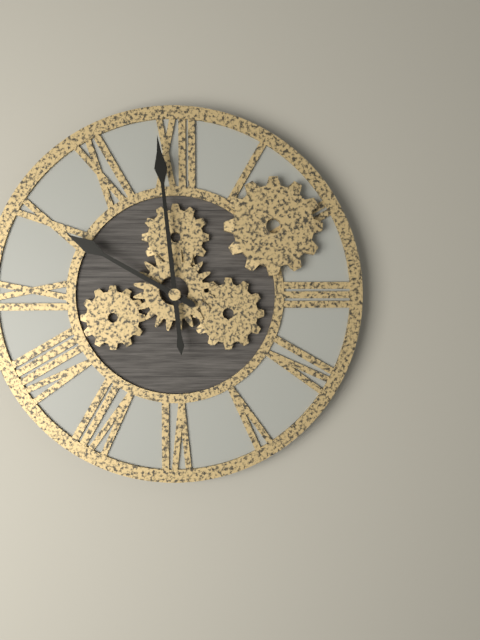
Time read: **9:59**
